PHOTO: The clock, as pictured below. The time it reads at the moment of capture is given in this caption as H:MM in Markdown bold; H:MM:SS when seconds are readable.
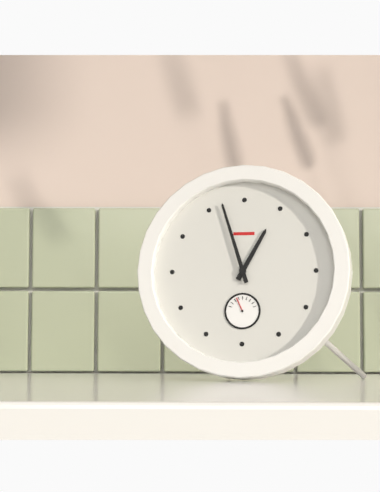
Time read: **12:57**
